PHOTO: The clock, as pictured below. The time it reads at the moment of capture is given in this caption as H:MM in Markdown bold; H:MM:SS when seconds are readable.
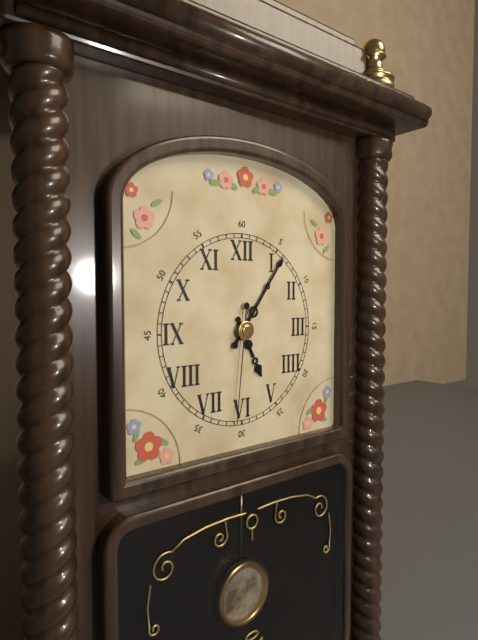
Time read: **5:06:31**
